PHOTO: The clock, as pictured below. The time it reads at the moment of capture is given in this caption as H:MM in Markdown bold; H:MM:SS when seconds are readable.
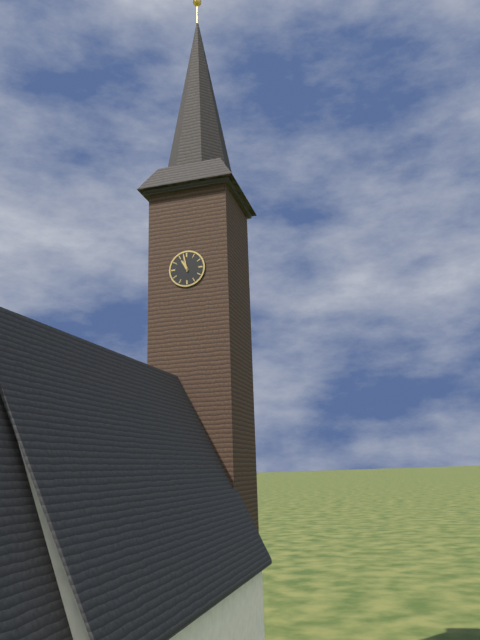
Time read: **10:58**
